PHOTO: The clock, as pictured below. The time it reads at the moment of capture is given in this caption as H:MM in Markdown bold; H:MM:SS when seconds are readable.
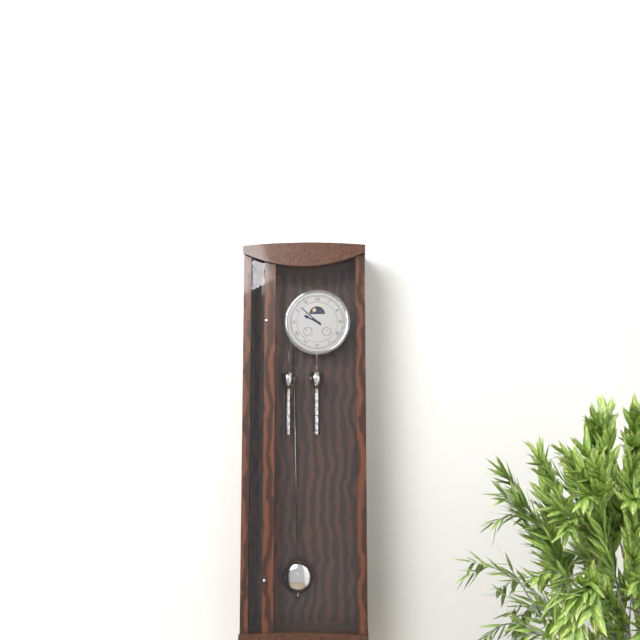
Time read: **9:52**
